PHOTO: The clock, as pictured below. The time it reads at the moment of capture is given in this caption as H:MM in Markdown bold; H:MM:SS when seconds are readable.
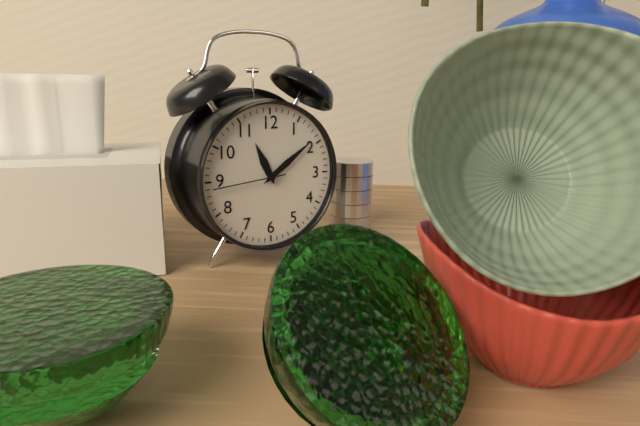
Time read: **11:09:44**
